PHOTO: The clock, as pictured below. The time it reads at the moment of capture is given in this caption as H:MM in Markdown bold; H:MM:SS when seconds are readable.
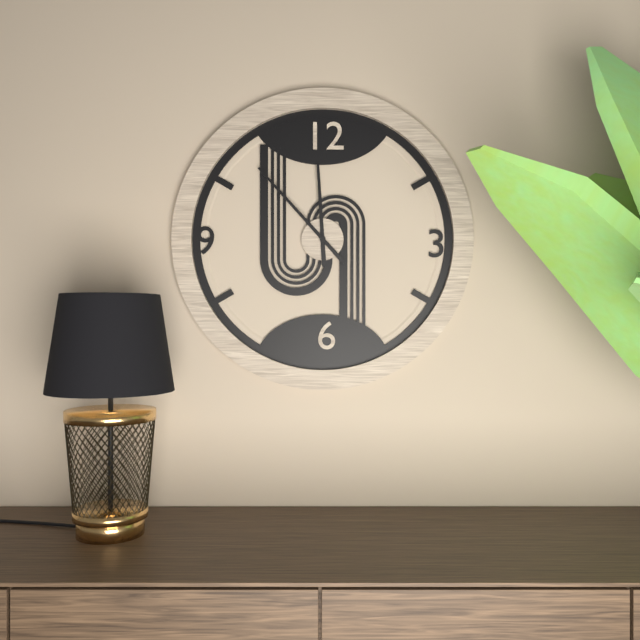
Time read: **11:53**
